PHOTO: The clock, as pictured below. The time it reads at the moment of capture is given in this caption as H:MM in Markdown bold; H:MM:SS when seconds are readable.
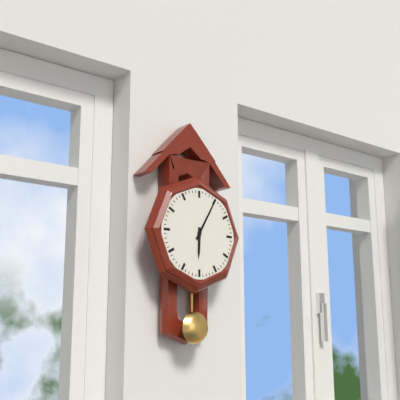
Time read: **6:05**
